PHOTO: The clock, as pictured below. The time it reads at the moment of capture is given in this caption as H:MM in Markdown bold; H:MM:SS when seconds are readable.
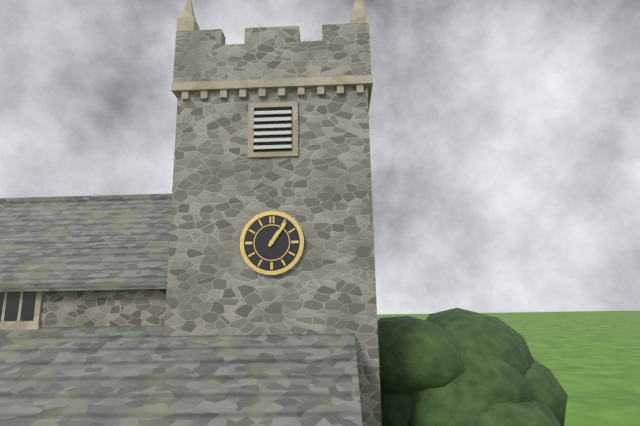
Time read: **1:06**
